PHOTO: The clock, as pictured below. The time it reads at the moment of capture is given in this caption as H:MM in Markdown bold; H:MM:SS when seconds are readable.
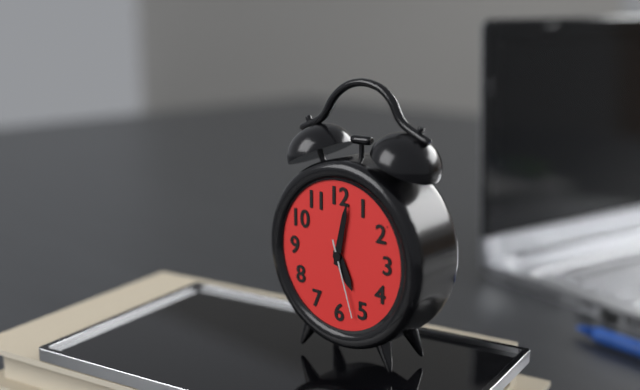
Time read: **5:02:27**
